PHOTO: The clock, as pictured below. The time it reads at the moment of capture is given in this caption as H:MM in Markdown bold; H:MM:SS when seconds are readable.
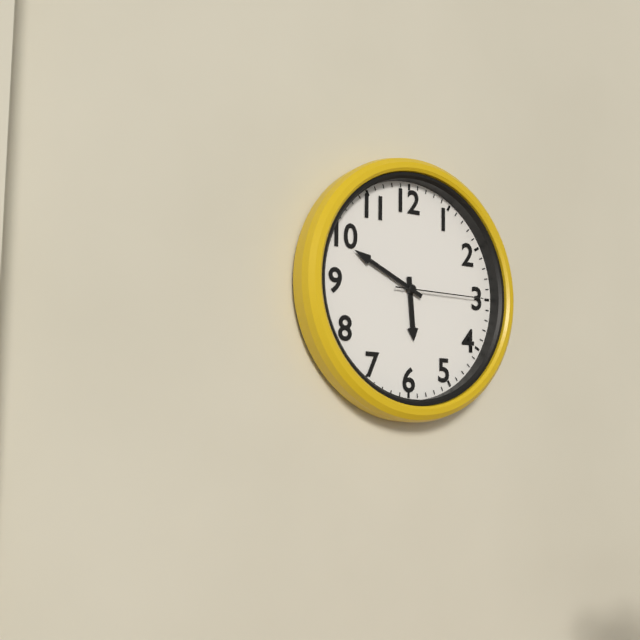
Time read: **5:49:15**
